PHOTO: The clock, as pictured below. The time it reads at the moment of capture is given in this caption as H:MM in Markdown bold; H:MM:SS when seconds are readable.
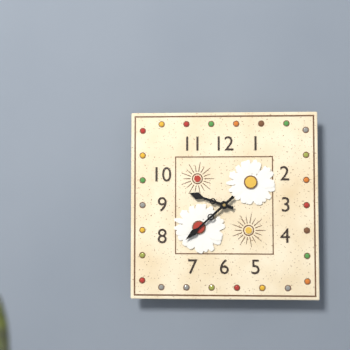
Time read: **9:38**
